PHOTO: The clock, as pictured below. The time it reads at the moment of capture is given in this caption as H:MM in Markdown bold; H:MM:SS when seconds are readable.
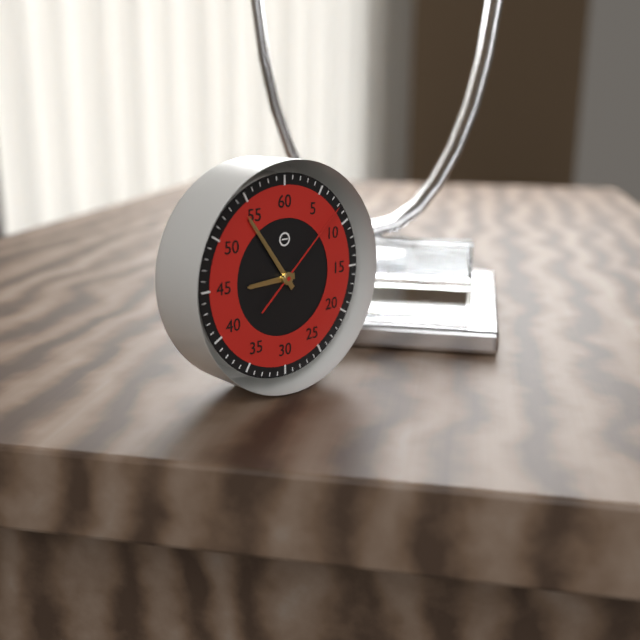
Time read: **8:54:08**
